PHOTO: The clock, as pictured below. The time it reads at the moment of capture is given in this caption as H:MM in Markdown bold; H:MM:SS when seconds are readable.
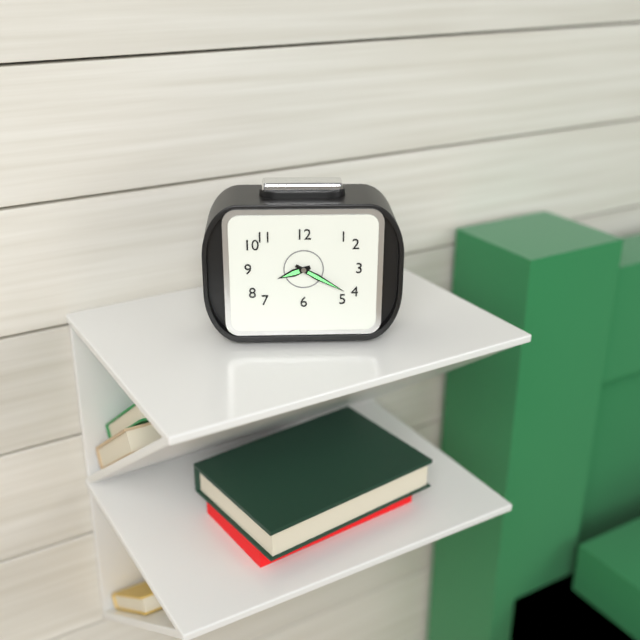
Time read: **8:20**
